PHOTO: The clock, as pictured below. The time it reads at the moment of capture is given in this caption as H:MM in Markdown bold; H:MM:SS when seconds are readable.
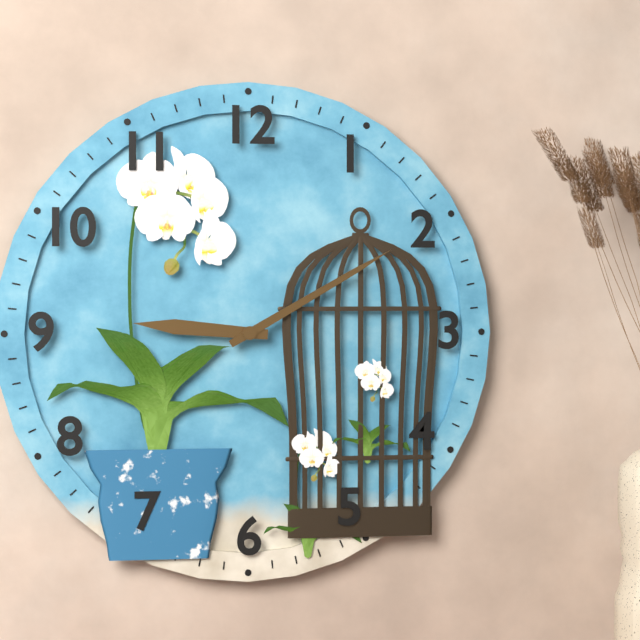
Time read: **9:10**
